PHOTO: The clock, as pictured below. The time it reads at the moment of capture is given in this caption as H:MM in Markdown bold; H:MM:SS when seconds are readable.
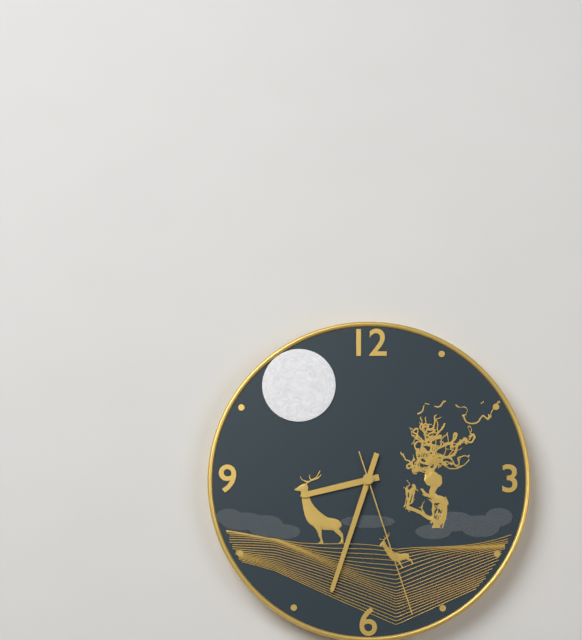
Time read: **8:33:27**
